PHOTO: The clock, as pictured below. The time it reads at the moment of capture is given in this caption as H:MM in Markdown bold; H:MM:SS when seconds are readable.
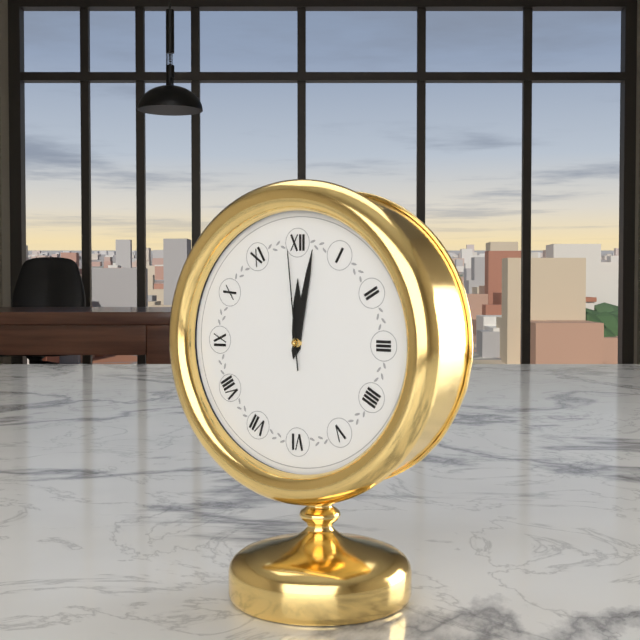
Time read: **12:02:59**
